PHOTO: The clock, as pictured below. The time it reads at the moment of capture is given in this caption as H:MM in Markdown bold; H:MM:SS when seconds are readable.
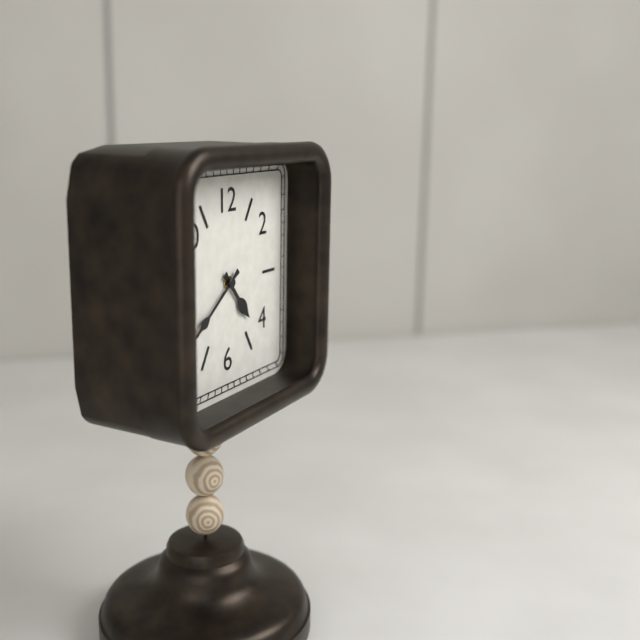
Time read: **4:39**
